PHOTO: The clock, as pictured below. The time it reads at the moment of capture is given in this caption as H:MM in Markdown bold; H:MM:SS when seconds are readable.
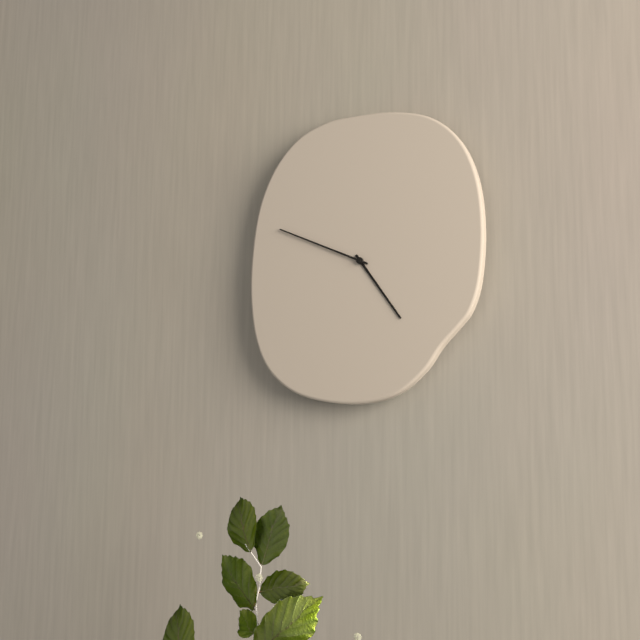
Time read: **4:49**
